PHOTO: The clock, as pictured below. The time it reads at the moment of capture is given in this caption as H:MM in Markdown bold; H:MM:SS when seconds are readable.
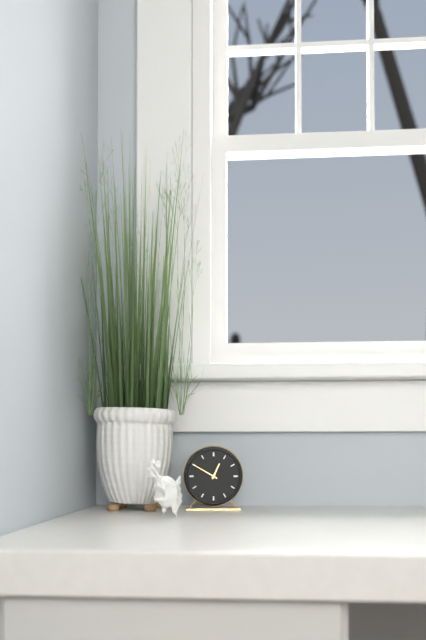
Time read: **12:50**
